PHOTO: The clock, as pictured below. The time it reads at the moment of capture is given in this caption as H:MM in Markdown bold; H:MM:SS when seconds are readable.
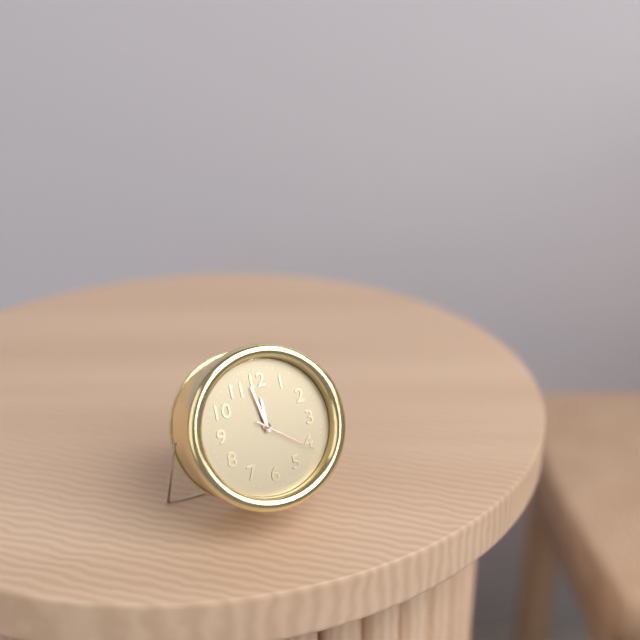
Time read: **11:58:21**
